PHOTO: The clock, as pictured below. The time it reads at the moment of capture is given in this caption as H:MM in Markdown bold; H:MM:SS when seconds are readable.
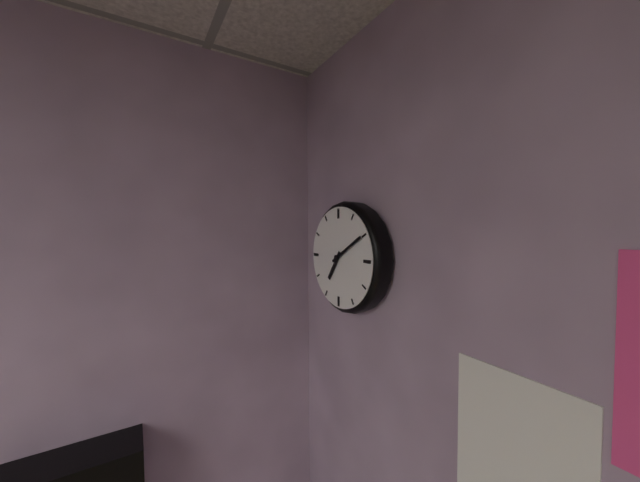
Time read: **7:10**
